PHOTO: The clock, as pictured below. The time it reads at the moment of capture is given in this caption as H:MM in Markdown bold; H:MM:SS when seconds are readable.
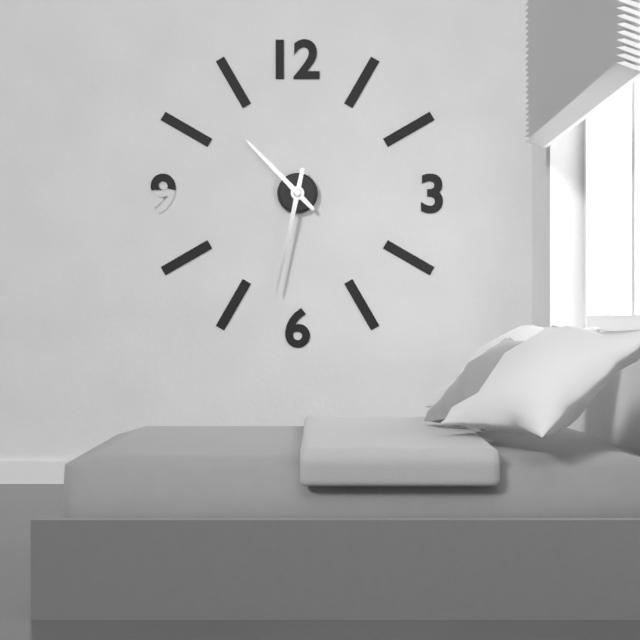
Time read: **10:32**
